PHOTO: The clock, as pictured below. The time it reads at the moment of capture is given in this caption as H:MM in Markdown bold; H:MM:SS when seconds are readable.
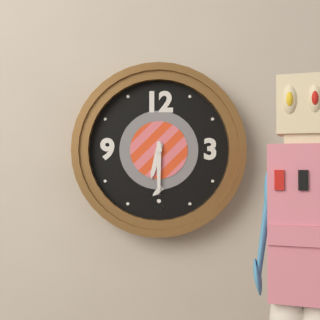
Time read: **6:30**
